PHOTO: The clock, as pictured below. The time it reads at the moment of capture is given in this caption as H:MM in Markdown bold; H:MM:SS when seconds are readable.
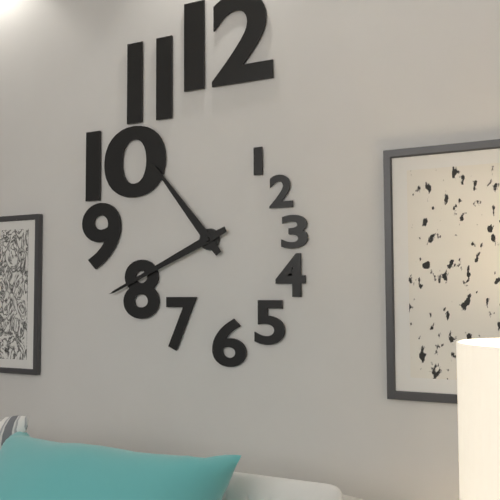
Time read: **10:41**
